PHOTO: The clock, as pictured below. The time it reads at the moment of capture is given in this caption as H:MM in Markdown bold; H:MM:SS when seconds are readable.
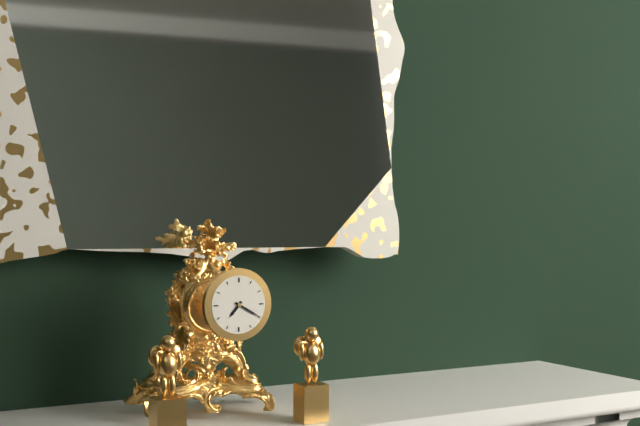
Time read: **7:20**
